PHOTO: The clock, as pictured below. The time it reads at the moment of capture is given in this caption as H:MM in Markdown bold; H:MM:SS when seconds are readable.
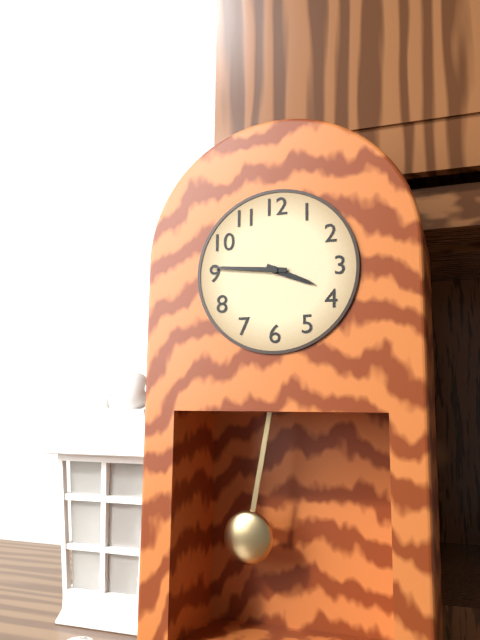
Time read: **3:46**
